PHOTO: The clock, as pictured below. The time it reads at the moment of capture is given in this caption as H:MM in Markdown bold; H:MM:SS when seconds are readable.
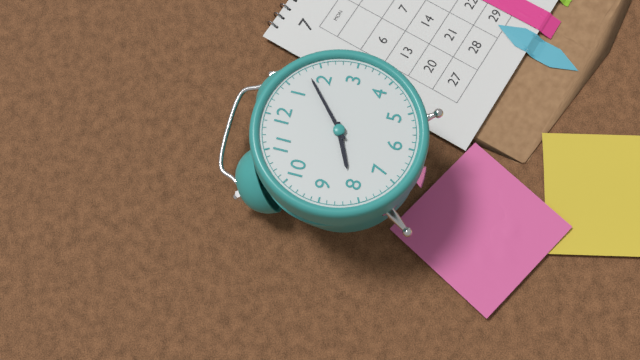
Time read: **8:08**
